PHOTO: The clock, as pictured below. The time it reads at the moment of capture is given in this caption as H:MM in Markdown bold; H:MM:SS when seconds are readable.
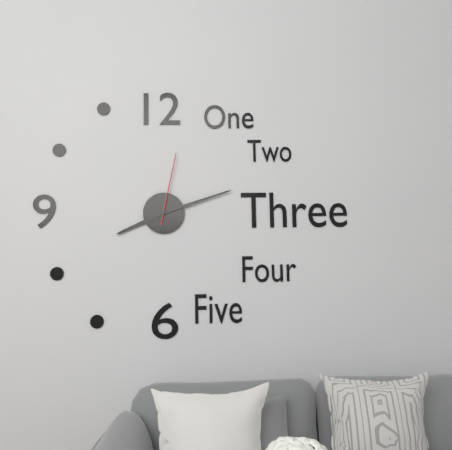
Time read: **8:12:02**
